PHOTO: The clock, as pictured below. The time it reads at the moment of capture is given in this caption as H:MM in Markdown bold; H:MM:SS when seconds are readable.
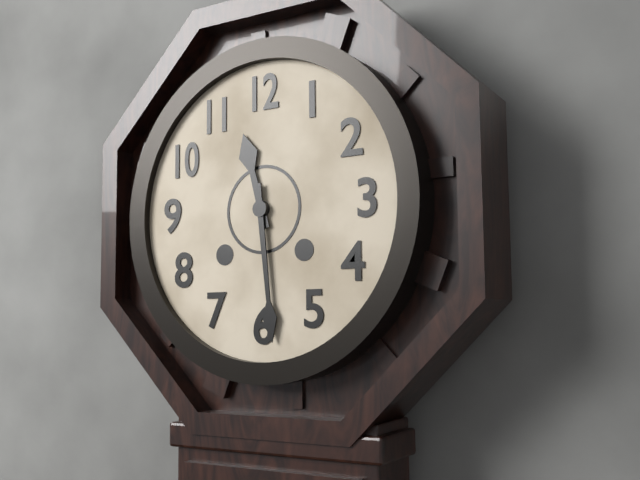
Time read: **11:29**
